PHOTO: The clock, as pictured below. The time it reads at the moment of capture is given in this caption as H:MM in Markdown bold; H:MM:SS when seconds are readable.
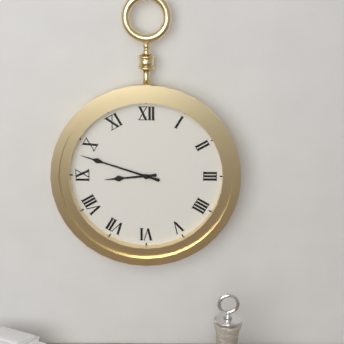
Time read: **8:48**
